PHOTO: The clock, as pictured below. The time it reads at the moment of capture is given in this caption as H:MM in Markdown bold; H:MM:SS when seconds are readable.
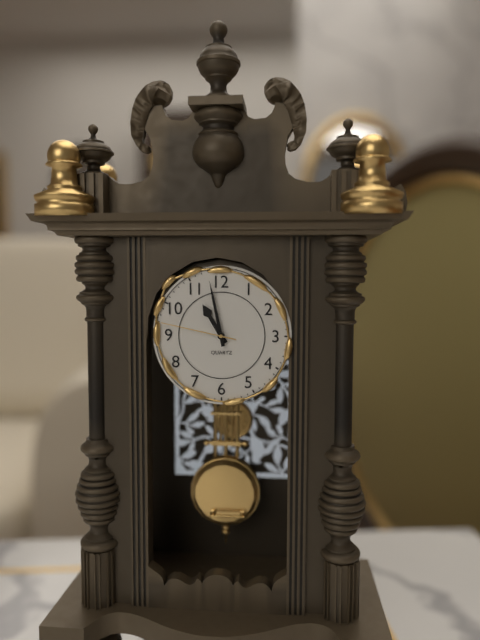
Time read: **10:58:47**
